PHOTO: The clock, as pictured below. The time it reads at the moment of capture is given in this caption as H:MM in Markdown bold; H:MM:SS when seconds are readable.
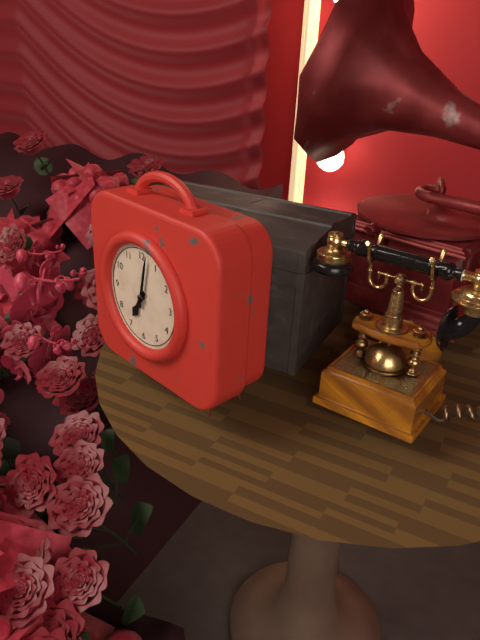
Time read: **7:02**
